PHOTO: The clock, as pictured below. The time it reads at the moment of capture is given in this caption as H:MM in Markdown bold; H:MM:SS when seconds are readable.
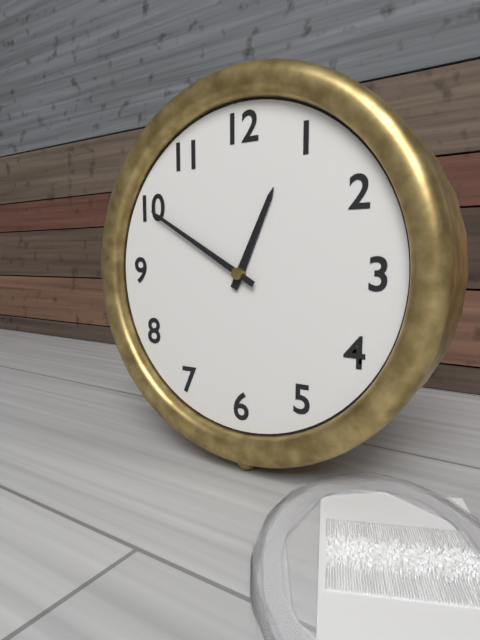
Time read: **12:50**
